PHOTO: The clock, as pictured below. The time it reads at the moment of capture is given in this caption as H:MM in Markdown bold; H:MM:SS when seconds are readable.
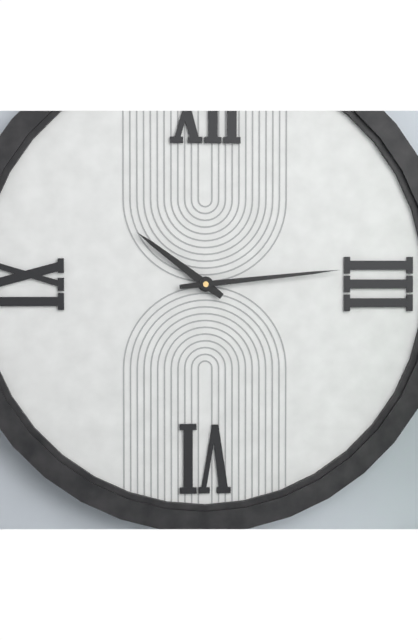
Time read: **10:14**
